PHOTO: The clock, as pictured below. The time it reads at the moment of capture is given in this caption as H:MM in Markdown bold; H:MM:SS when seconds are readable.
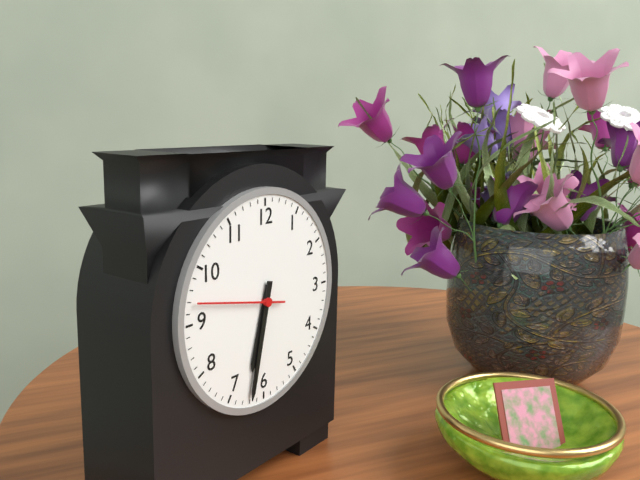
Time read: **6:32:47**
